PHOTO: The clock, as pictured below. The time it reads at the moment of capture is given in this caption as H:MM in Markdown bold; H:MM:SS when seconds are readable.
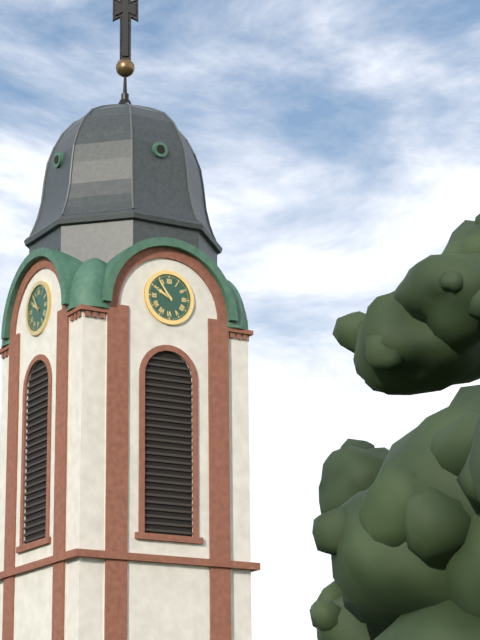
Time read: **9:54**
